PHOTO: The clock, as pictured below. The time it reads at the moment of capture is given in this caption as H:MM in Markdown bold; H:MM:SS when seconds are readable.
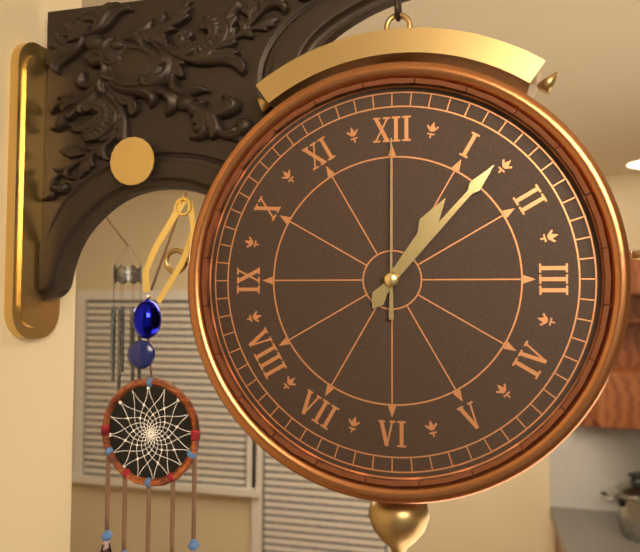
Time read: **1:07:00**
